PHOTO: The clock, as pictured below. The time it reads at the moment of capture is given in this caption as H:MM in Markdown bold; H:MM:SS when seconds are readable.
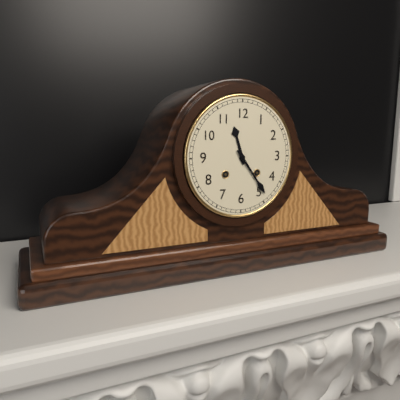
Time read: **11:24**
